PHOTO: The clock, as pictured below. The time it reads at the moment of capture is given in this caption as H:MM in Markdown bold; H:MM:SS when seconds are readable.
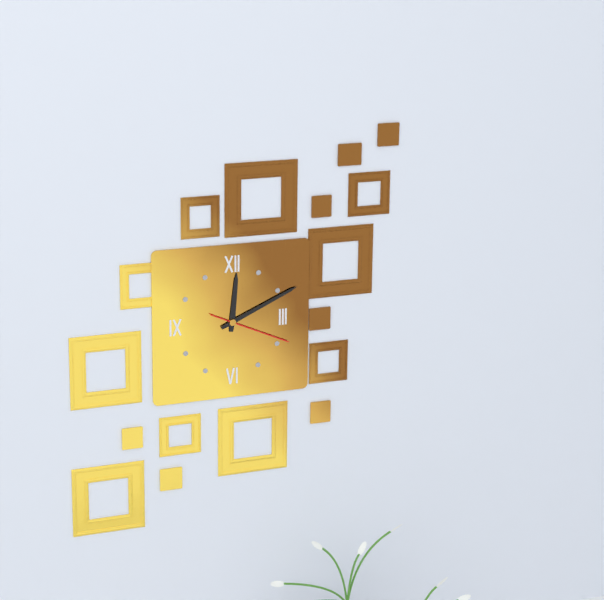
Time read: **12:11:19**
